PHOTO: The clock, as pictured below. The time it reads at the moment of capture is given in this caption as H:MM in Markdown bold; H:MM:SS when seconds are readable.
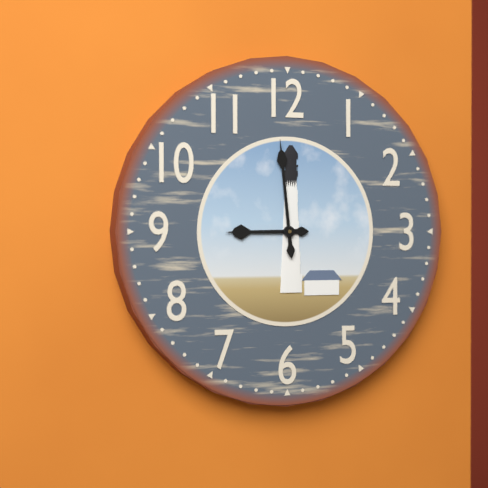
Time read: **8:59**
